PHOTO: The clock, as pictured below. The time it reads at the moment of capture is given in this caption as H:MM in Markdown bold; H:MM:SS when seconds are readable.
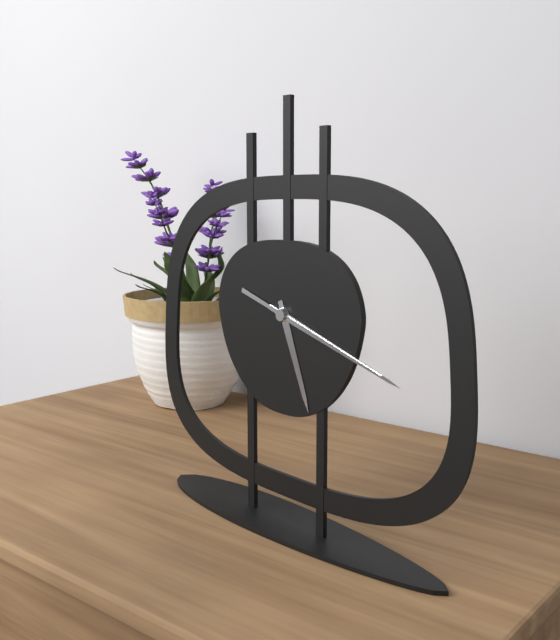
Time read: **5:18:18**
